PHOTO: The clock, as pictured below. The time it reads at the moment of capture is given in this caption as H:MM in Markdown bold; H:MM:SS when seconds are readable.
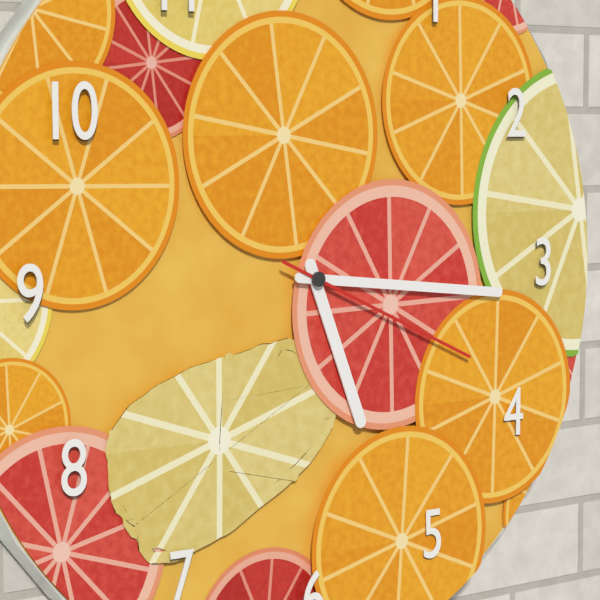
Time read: **5:16:19**
